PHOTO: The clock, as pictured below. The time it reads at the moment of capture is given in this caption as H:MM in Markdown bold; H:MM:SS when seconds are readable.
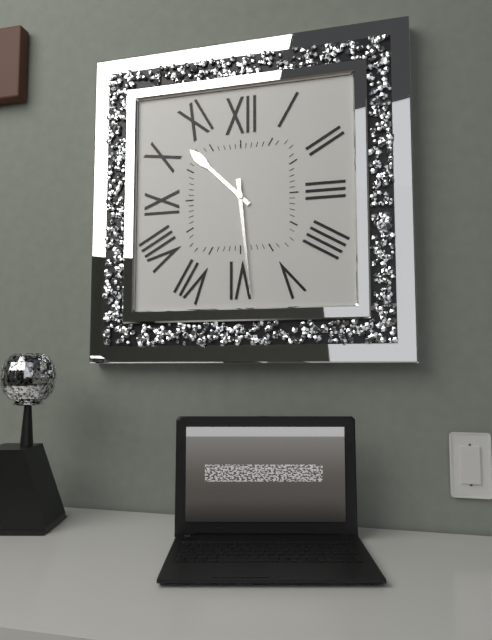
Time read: **10:29**
